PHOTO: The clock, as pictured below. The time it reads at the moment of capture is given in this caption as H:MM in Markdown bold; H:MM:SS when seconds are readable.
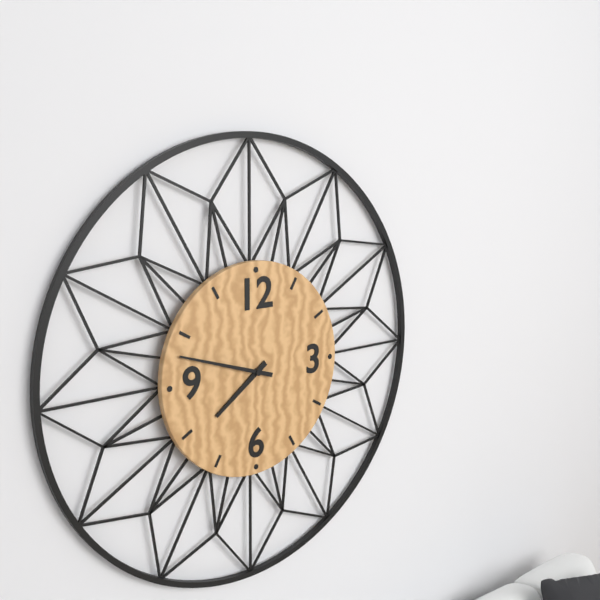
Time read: **7:48**
